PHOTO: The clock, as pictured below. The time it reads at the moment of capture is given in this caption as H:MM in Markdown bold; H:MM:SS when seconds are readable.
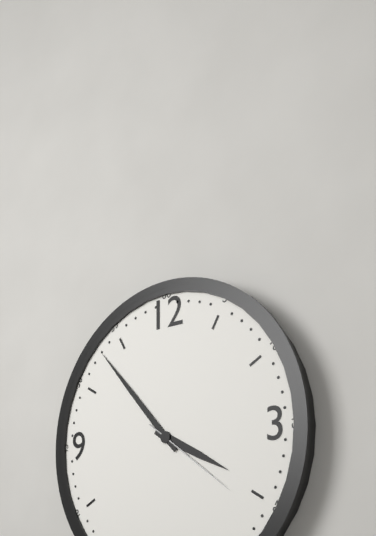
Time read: **3:53:21**
